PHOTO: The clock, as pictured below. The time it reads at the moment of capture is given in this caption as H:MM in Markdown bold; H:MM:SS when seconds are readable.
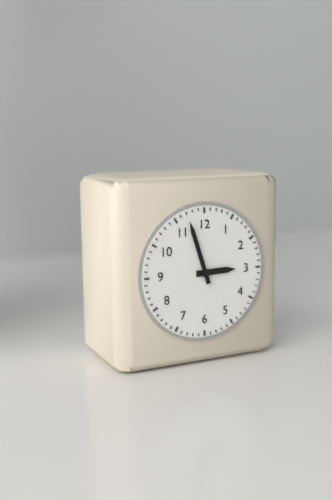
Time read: **2:57**
